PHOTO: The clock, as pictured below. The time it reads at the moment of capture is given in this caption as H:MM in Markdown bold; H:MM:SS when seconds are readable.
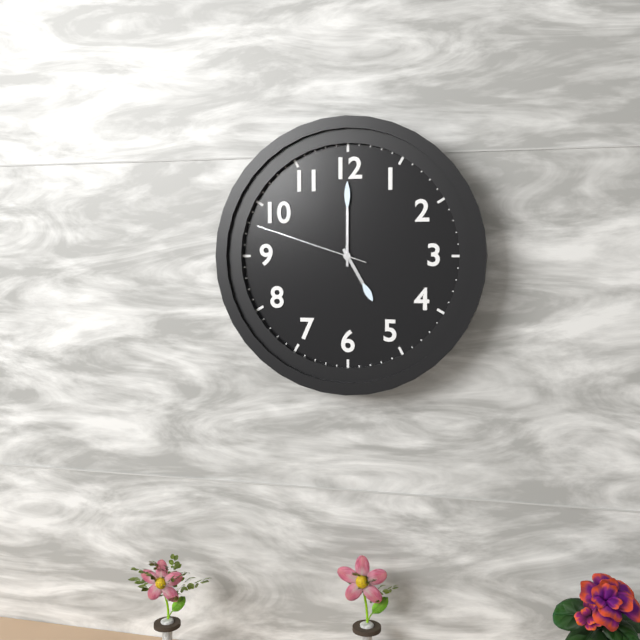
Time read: **5:00:48**
